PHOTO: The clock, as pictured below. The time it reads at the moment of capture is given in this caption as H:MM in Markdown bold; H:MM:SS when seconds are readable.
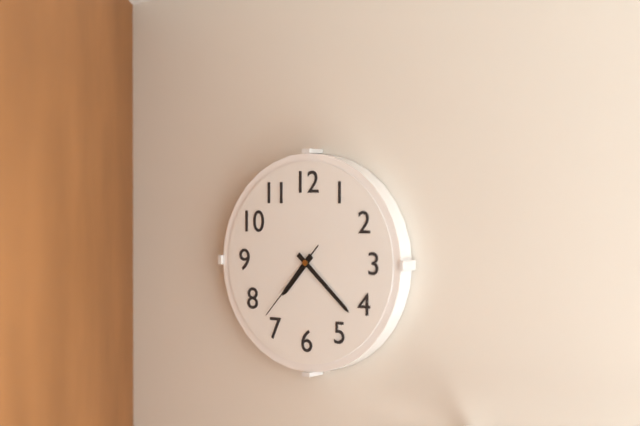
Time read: **7:22:37**
